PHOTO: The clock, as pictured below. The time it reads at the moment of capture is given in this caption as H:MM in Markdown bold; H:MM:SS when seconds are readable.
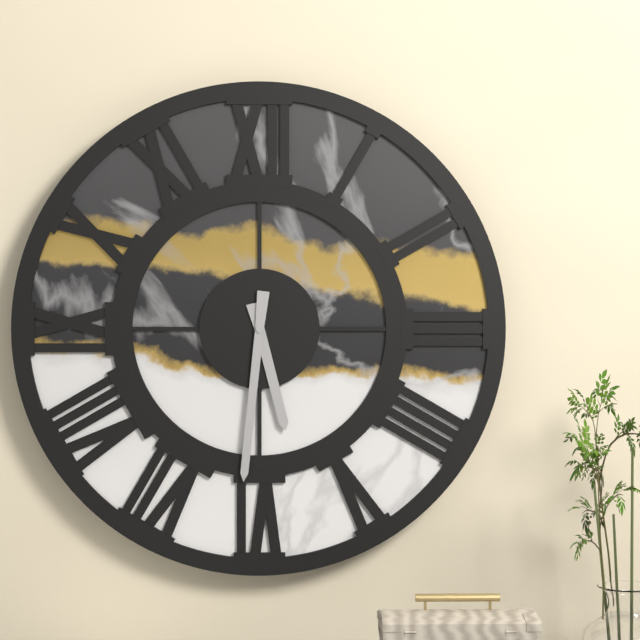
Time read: **5:31**
